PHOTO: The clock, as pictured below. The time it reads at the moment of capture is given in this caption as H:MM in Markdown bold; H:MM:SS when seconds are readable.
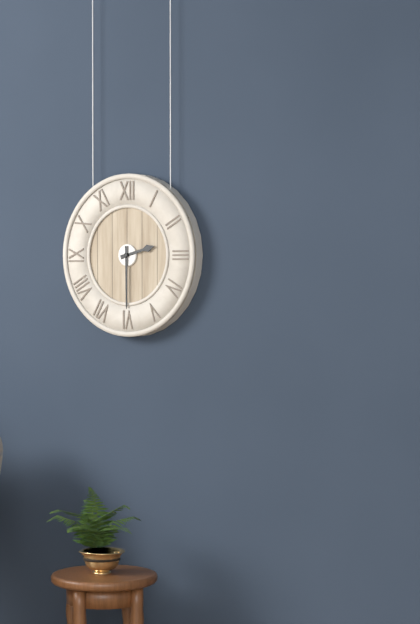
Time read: **2:30**
